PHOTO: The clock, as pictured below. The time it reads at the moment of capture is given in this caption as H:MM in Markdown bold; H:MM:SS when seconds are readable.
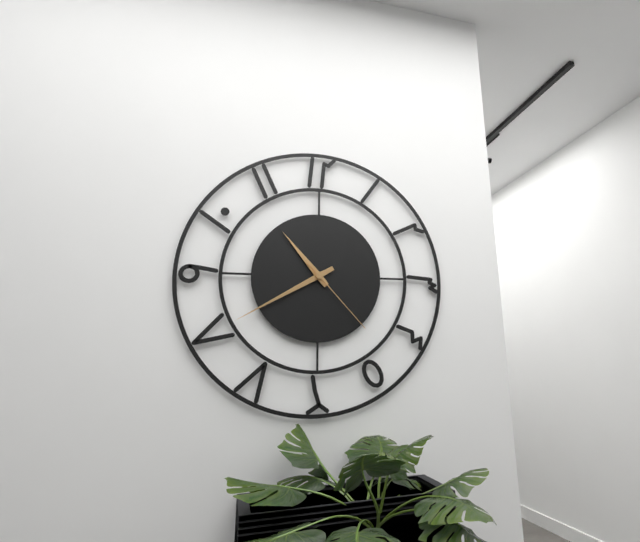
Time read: **10:40:23**
